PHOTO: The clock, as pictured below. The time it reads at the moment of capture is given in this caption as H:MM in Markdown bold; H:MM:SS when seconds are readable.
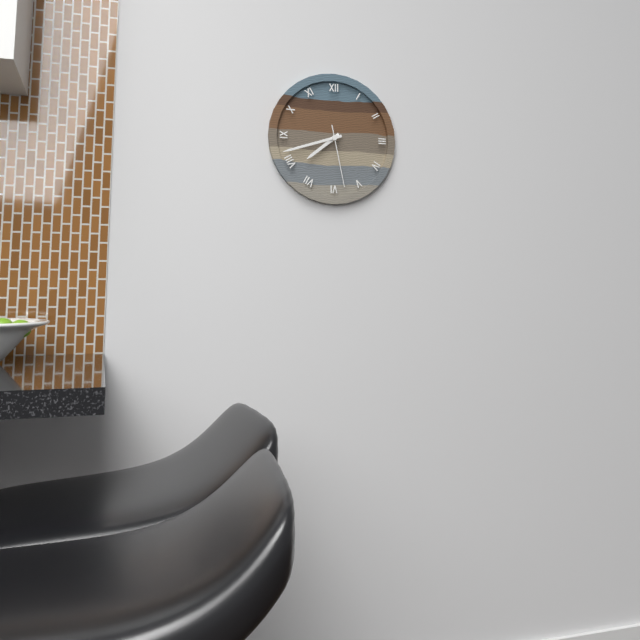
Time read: **7:42:28**
